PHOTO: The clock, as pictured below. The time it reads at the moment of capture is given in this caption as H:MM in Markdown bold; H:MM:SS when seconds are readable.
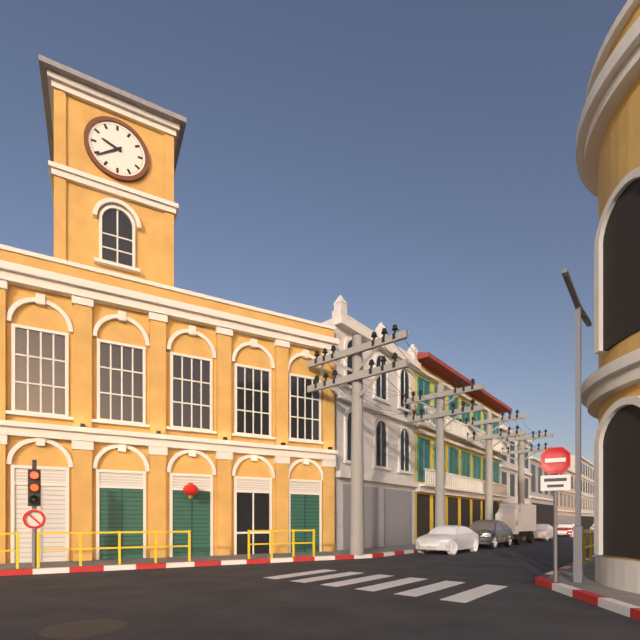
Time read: **9:39**
